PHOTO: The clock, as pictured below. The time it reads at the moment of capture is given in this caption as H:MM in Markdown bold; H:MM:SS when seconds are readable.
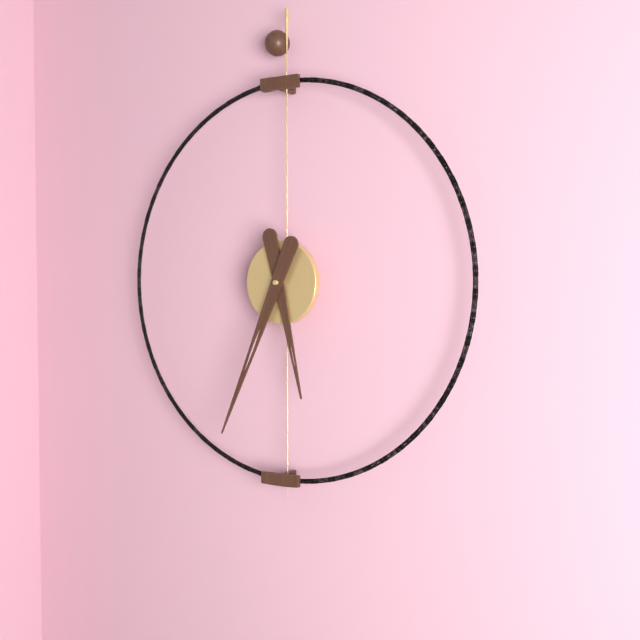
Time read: **5:34**
